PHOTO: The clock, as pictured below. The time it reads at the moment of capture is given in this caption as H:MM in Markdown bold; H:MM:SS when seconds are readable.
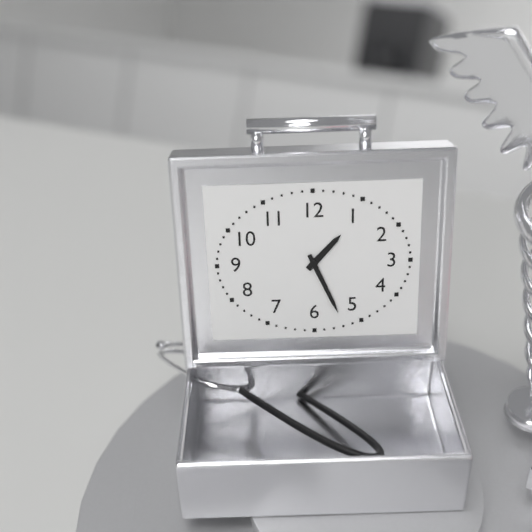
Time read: **1:26**
